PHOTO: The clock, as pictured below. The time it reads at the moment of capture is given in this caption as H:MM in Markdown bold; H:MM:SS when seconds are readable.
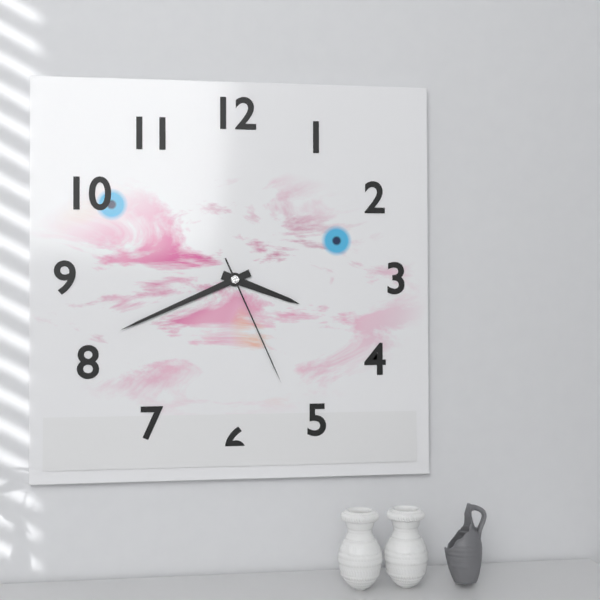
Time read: **3:41:26**
